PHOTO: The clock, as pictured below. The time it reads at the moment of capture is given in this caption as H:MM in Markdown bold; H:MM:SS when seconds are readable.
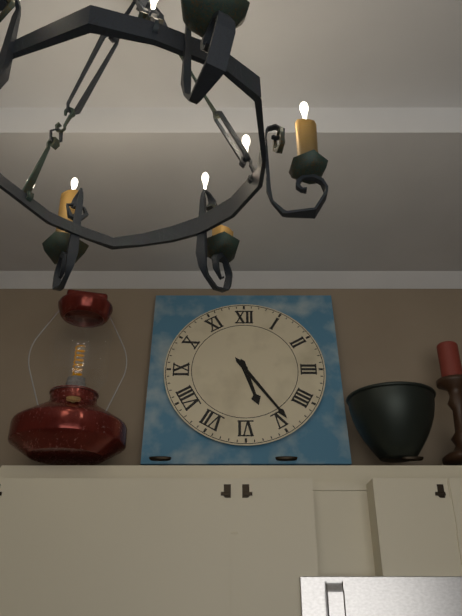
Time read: **5:24**
